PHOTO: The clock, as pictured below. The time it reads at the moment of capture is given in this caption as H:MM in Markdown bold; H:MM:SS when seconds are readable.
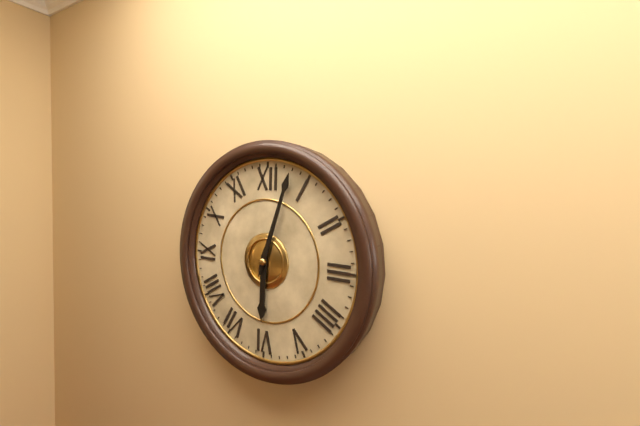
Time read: **6:03**
